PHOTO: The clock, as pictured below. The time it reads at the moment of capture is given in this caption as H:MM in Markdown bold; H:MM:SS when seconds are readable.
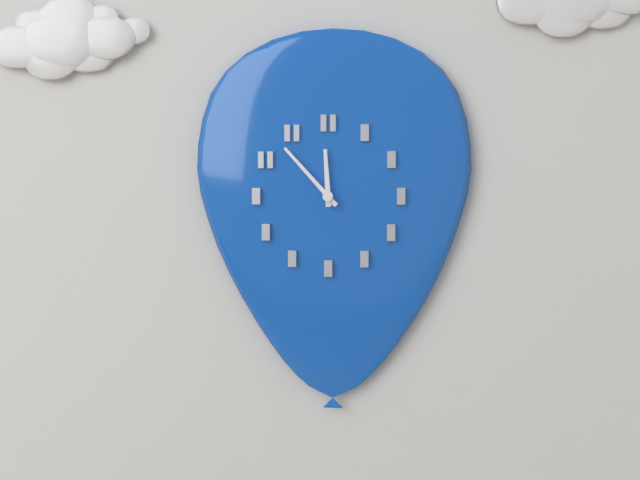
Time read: **11:53**
